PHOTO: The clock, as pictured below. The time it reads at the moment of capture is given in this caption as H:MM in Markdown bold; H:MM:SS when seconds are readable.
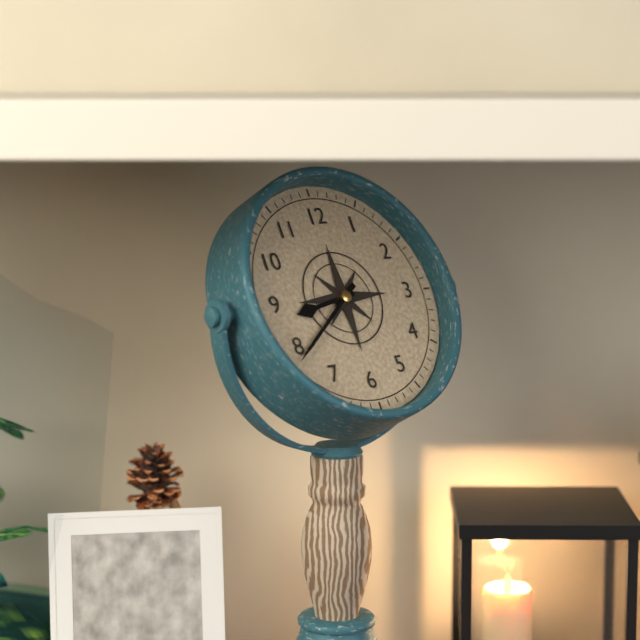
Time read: **8:39**
